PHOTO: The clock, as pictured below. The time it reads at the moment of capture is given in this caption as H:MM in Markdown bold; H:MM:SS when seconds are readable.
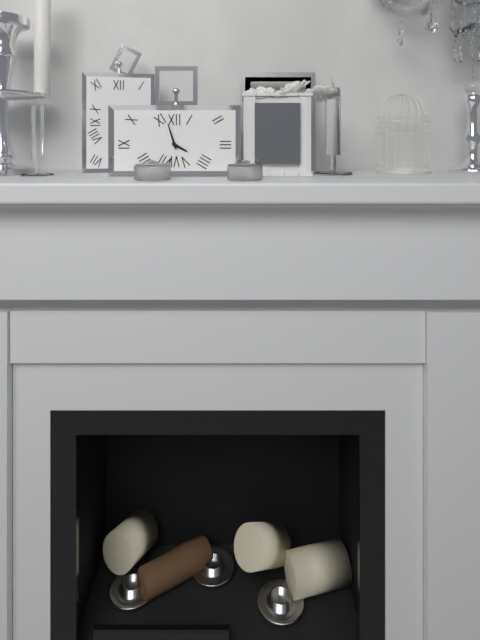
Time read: **3:57**
